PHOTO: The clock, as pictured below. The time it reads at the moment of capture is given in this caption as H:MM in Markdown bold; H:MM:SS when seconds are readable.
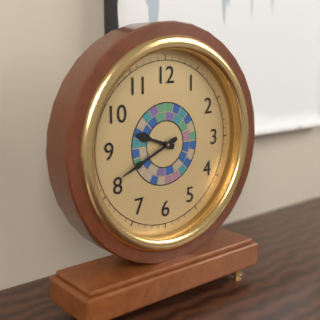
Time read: **9:41**
